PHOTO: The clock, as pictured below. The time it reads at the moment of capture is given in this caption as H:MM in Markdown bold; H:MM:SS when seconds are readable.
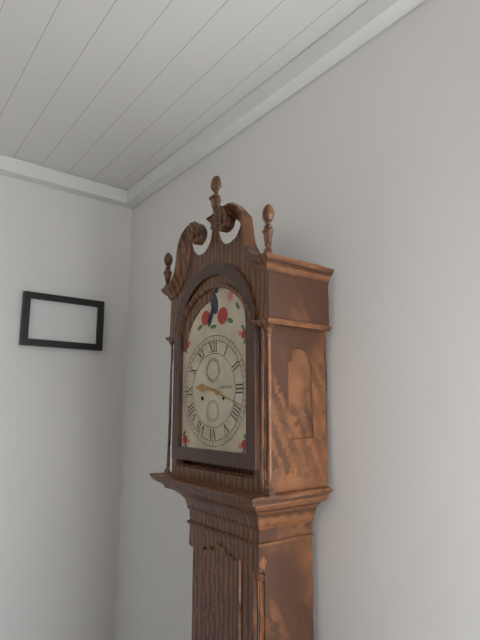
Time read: **9:18**
